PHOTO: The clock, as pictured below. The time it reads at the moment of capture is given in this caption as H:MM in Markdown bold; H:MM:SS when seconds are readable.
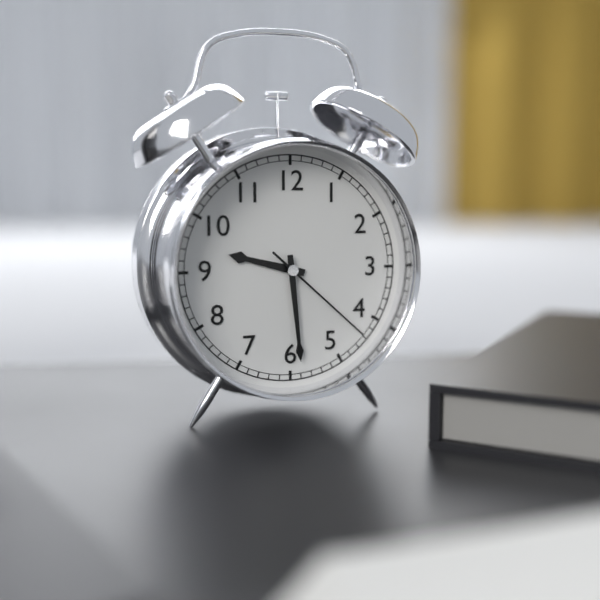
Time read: **9:29:22**
